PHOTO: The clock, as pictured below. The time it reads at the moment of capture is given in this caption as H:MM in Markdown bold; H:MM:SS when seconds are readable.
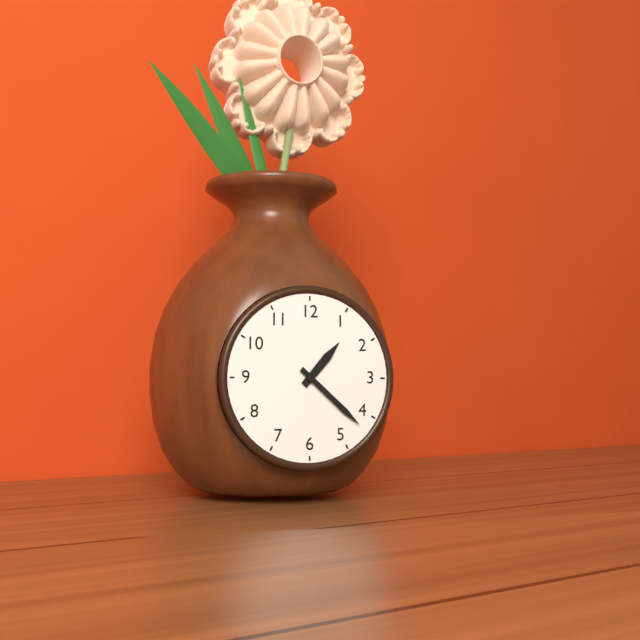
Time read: **1:22**
